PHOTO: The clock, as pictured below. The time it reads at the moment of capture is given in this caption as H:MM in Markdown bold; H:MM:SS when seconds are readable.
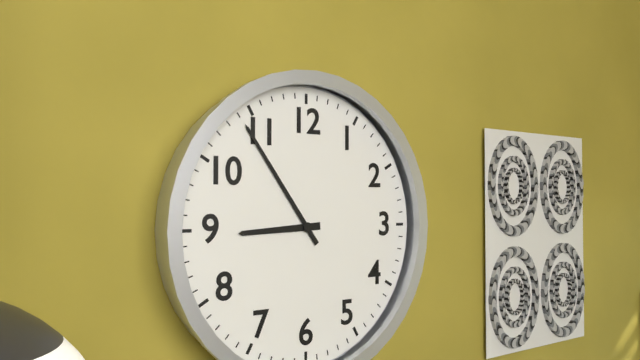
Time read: **8:54**
